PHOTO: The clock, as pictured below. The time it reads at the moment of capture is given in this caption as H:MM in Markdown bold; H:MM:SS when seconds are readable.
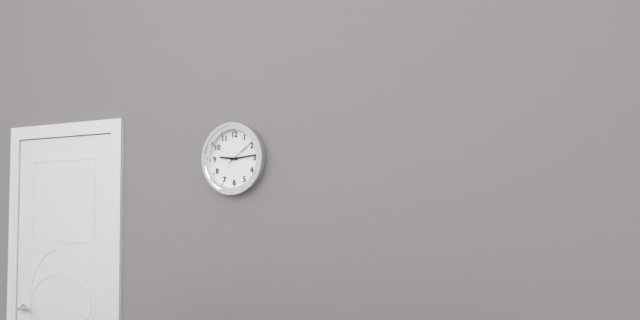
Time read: **9:14**
